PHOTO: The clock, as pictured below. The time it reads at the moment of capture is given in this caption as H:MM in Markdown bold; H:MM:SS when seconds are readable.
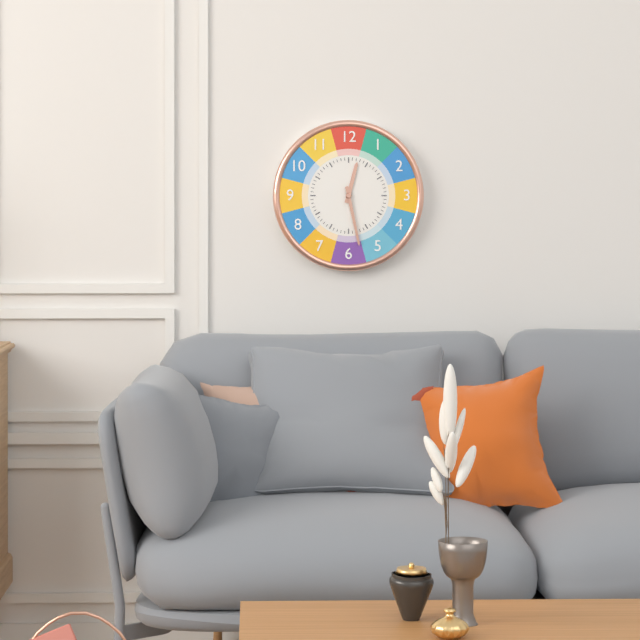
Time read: **12:28**
